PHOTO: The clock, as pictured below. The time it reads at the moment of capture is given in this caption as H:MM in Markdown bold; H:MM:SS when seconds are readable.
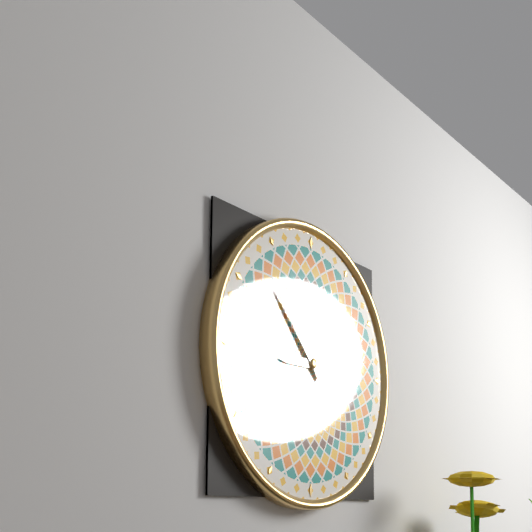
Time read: **8:53**
